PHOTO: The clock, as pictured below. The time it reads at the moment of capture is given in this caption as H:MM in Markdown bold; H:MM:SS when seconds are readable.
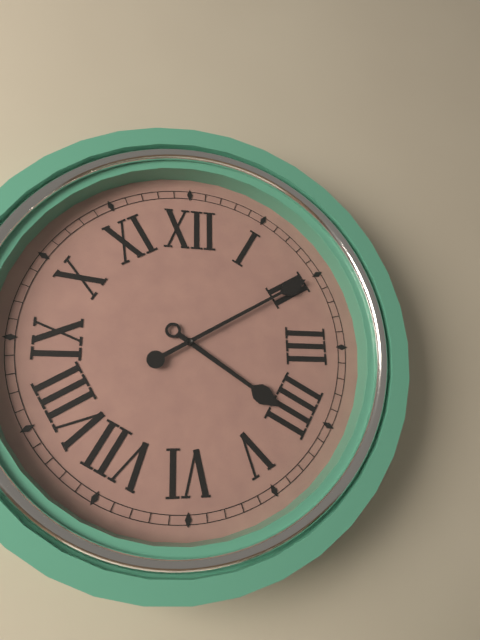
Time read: **4:10**
